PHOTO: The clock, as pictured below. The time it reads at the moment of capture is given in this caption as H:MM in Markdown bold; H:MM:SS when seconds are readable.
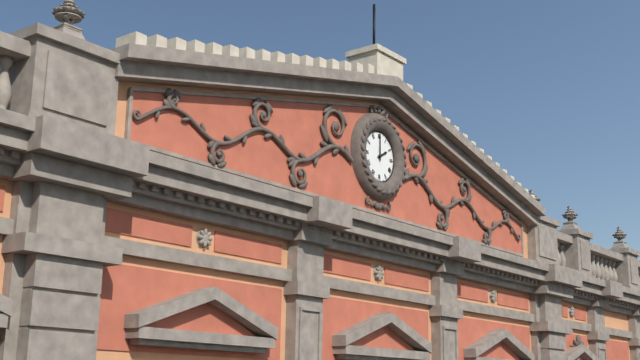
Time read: **2:00**
